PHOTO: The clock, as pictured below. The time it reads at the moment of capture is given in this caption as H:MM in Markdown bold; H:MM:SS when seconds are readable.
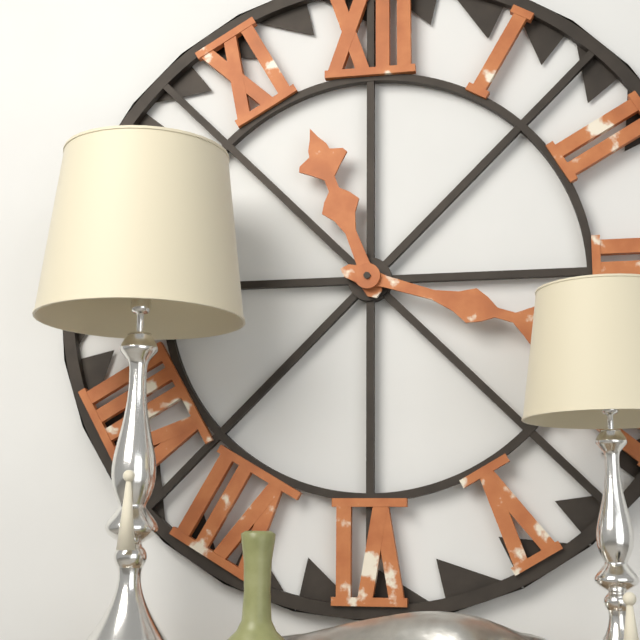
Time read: **11:18**
